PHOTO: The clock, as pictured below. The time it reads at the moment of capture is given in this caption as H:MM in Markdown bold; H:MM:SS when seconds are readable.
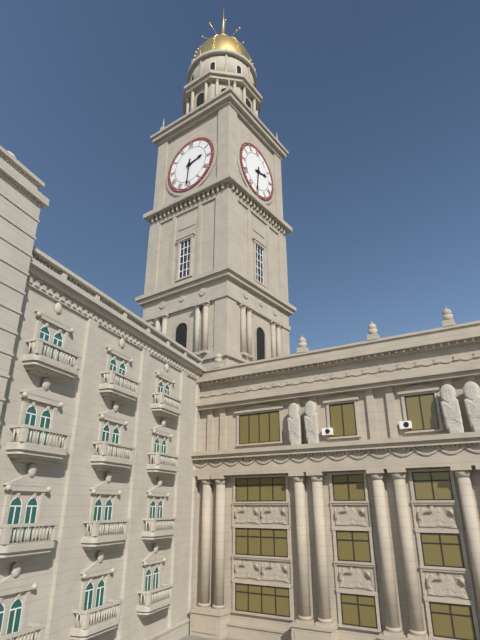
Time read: **2:31**
